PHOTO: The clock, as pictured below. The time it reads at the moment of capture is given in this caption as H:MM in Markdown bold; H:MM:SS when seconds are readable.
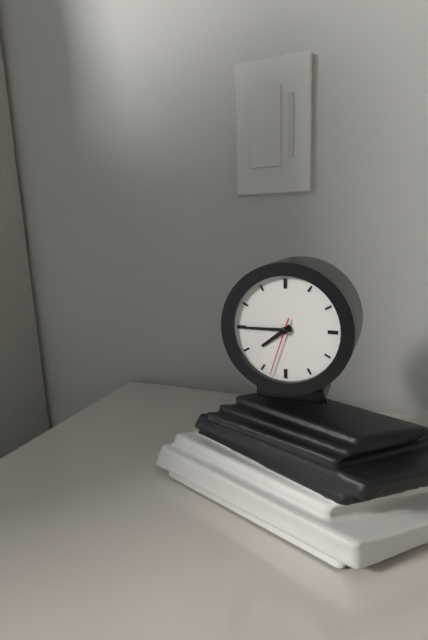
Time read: **7:45:33**
